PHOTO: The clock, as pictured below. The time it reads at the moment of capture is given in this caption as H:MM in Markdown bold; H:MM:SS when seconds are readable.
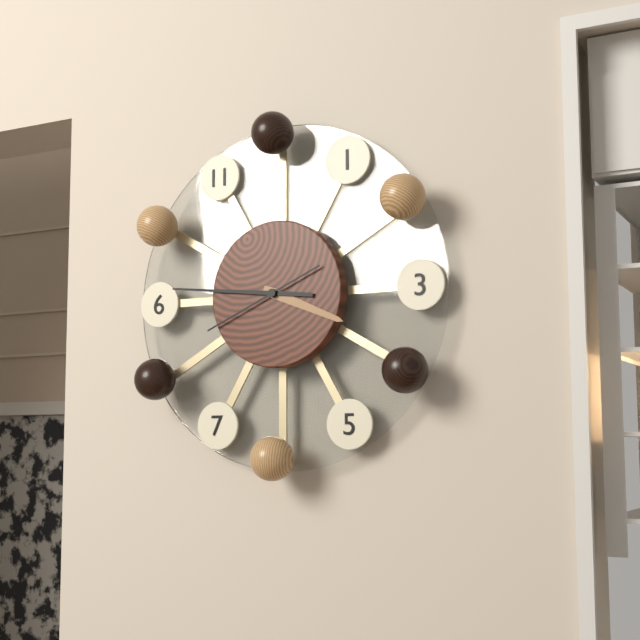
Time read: **3:46:41**
